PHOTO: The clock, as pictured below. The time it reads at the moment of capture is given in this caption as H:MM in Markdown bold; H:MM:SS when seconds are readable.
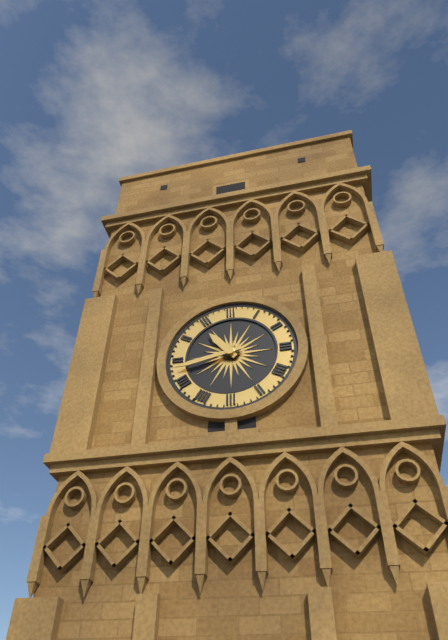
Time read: **10:43**
